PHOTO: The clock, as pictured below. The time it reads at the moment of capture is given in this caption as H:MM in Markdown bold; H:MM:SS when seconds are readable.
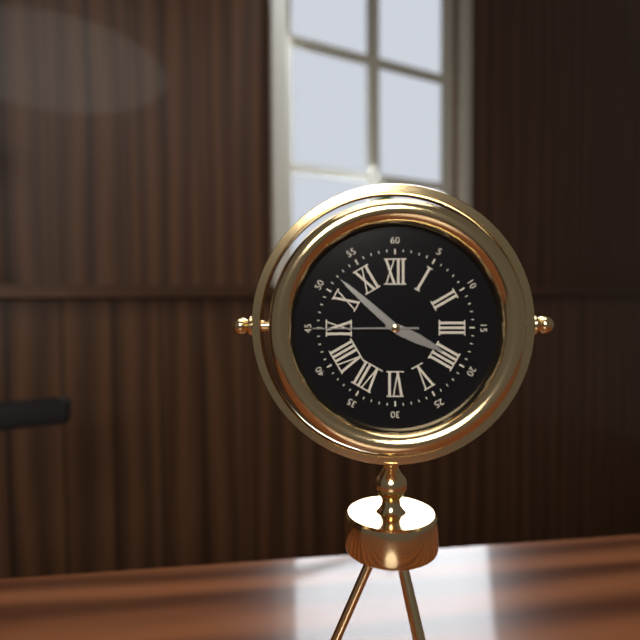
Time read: **3:52:45**
